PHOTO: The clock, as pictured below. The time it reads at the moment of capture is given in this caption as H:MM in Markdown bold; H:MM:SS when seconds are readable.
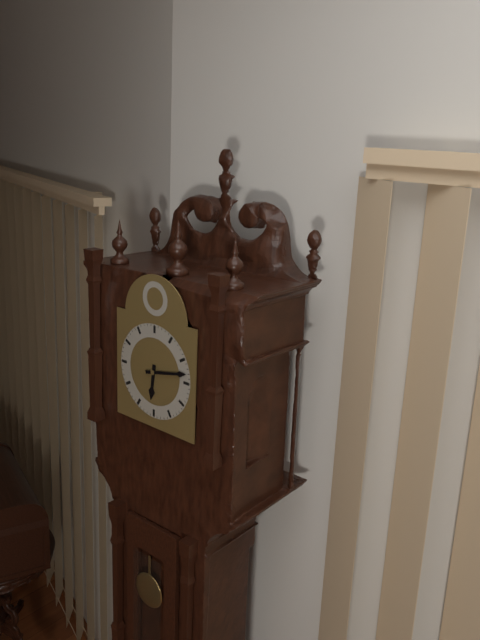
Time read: **6:13**
